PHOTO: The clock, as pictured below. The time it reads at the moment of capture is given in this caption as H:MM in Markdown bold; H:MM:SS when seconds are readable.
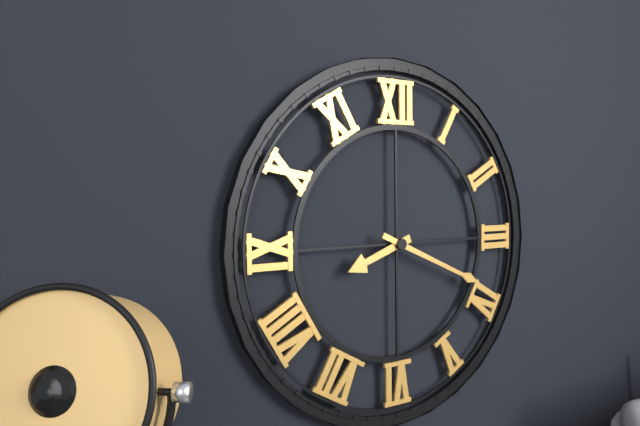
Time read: **8:19**
